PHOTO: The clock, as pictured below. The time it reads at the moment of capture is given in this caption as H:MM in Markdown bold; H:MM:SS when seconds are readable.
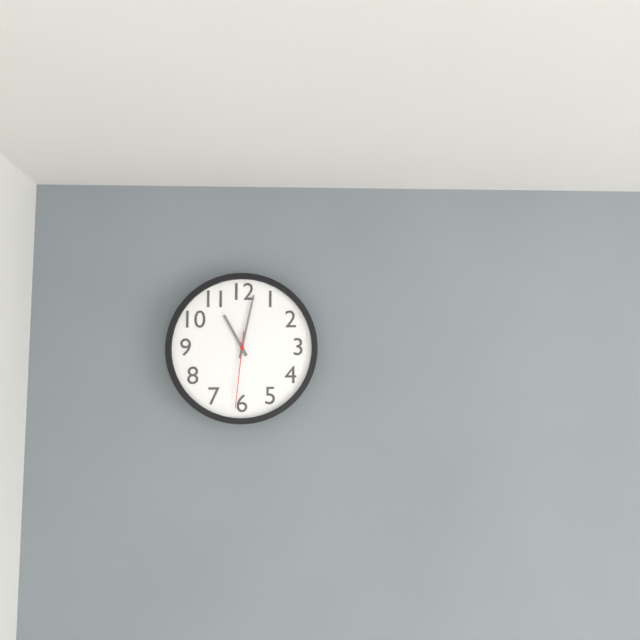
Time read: **11:02:31**
